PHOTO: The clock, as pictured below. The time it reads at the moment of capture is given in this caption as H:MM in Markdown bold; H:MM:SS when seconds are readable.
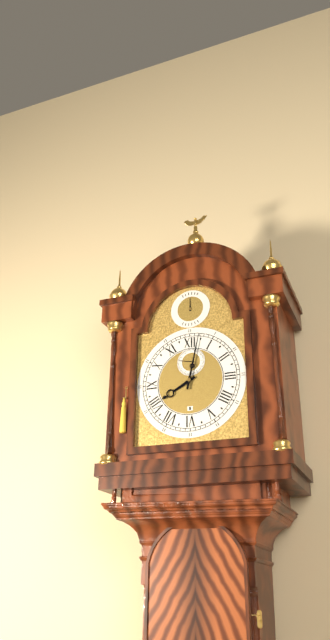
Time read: **8:02**
